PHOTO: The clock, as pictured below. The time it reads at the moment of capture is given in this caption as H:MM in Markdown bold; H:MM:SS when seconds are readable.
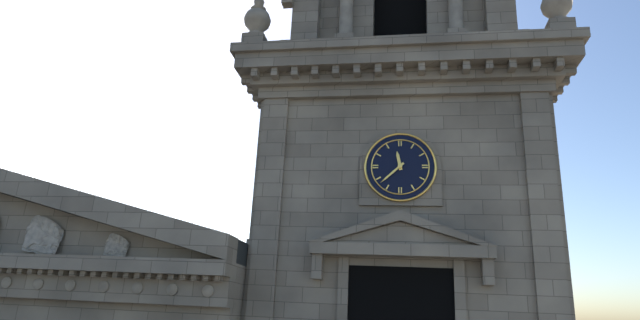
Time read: **11:38**
